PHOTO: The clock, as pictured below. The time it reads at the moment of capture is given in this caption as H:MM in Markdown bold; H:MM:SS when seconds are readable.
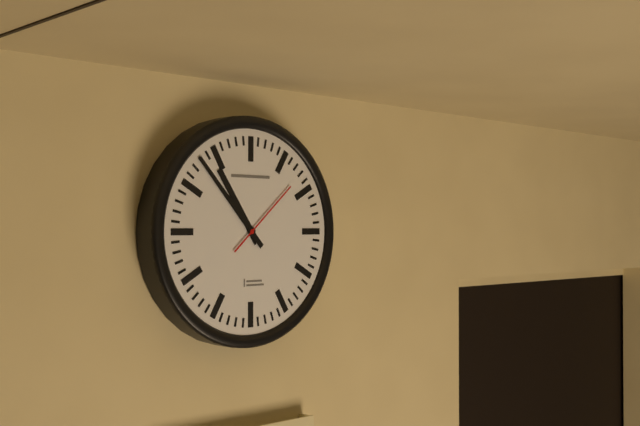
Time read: **10:53:08**
